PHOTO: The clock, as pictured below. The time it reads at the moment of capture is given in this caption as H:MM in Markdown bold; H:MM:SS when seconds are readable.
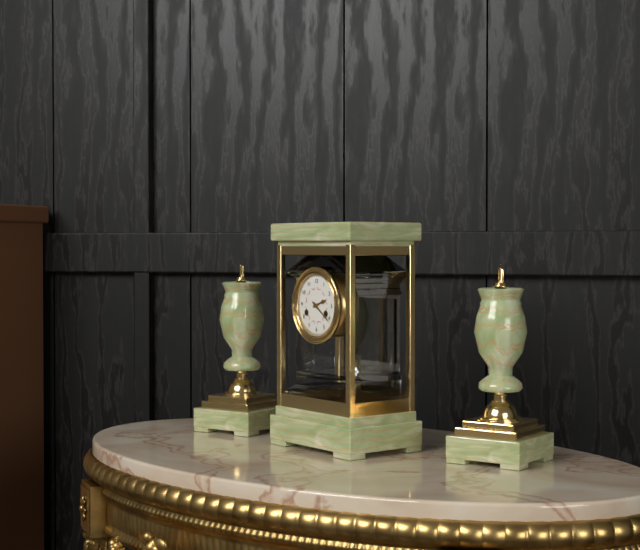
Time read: **2:21**
